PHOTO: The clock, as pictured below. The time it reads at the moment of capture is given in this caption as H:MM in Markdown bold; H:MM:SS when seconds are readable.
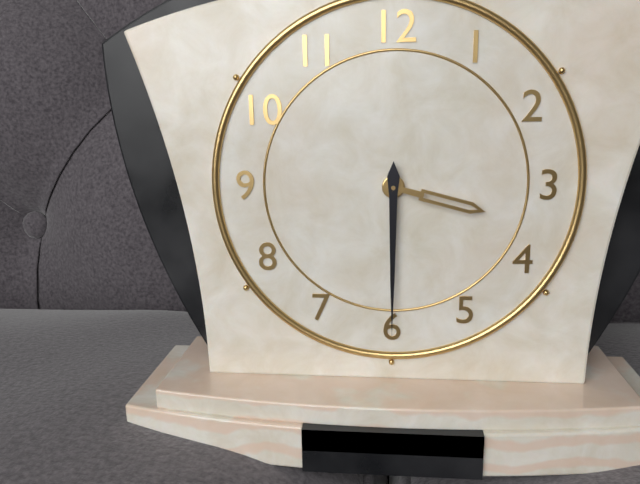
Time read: **3:30**
